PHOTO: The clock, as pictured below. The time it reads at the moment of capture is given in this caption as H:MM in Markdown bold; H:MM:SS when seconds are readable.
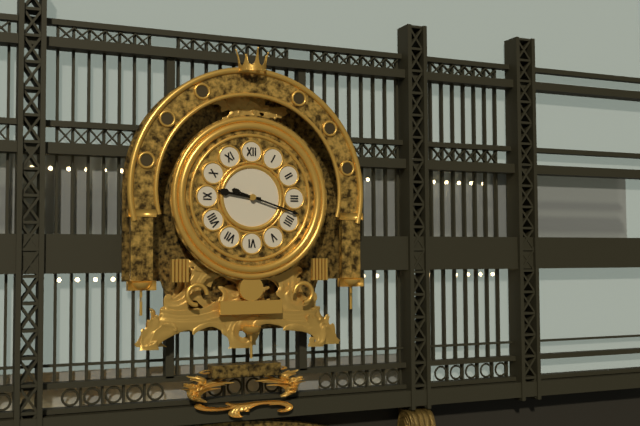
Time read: **9:18**
